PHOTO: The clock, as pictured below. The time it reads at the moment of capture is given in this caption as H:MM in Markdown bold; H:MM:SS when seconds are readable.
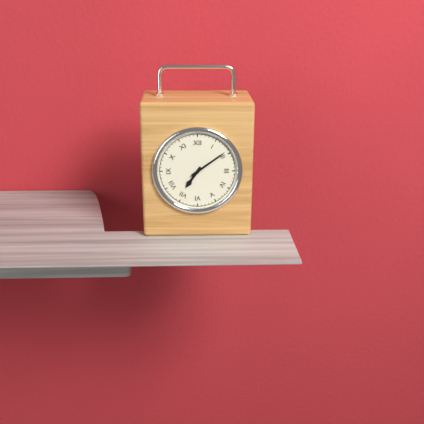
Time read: **7:09**
